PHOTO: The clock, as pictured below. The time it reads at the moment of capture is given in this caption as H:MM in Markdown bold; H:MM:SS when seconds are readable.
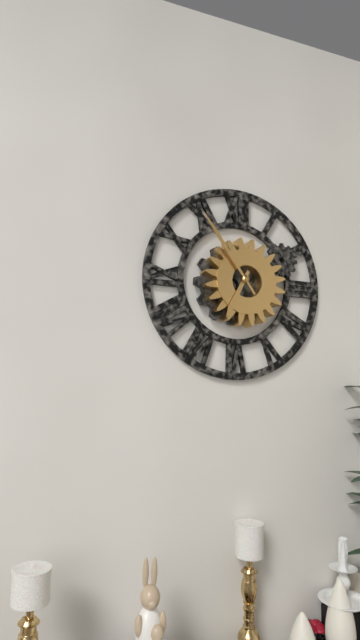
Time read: **6:54**
